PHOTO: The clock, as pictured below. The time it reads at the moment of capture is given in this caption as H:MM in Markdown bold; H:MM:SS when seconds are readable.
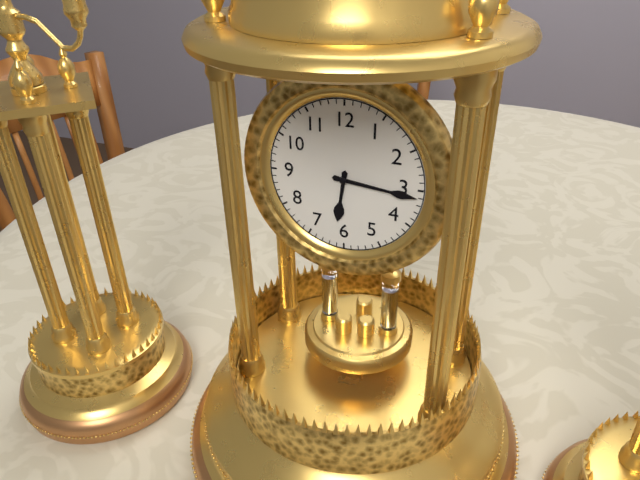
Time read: **6:16**
